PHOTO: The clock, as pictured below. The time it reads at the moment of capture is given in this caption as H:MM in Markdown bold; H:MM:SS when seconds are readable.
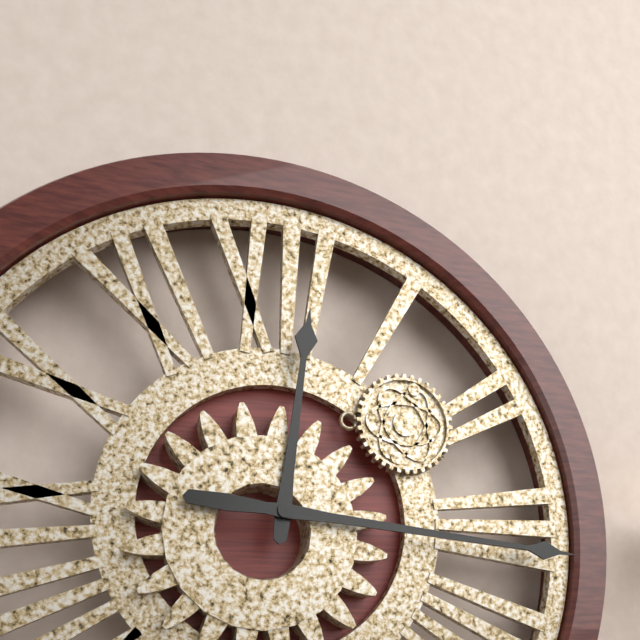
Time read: **12:16**
